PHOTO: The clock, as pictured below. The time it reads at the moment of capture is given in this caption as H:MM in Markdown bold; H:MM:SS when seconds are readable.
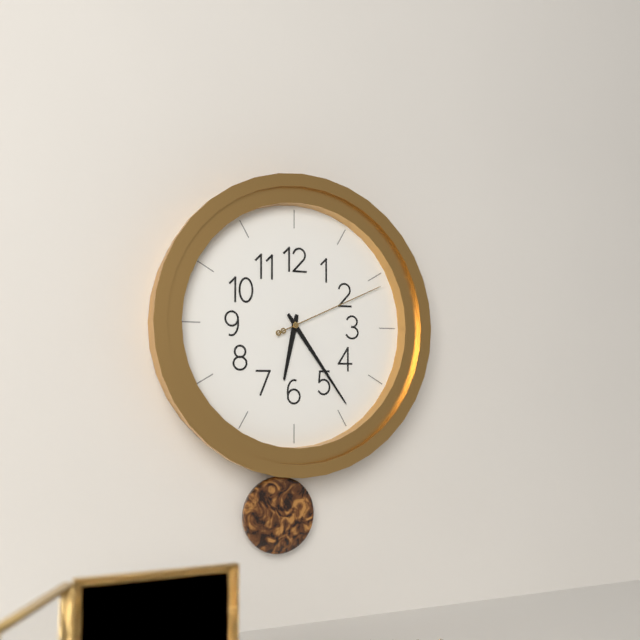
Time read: **6:24:11**
